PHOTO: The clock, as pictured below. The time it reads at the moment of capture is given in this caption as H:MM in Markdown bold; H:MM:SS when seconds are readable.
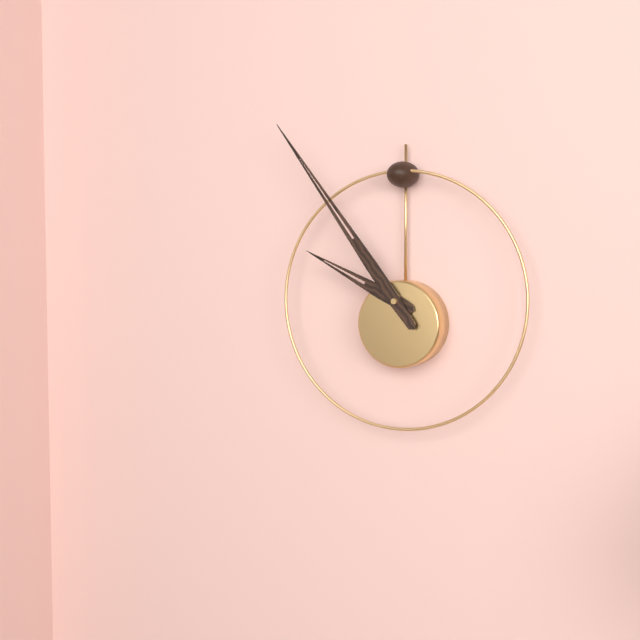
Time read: **9:54**
